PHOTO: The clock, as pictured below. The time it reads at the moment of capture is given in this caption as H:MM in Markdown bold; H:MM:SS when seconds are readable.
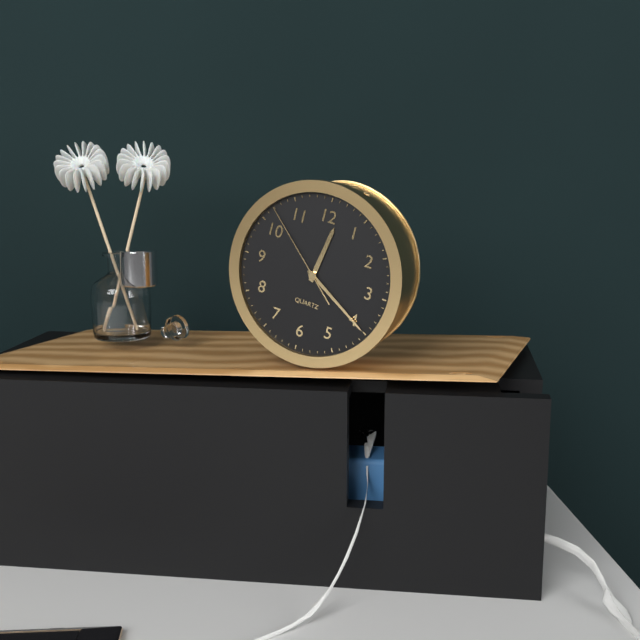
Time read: **12:20:52**
